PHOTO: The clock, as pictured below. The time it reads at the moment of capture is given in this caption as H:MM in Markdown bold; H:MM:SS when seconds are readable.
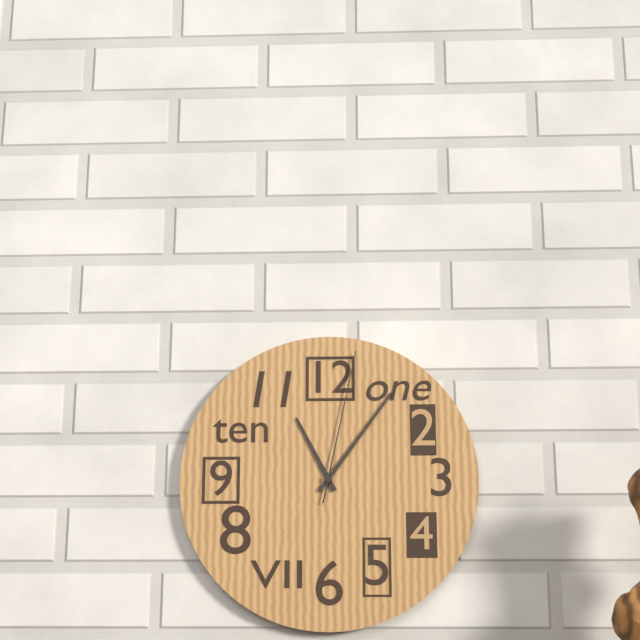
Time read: **11:06:02**
